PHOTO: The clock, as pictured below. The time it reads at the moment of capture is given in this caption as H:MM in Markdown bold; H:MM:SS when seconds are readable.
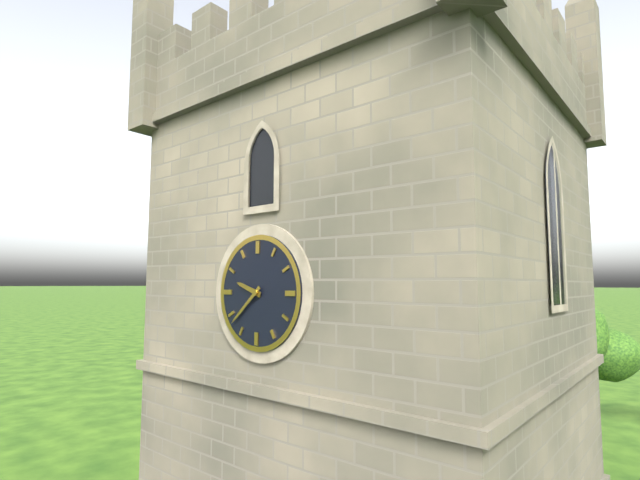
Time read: **9:38**
